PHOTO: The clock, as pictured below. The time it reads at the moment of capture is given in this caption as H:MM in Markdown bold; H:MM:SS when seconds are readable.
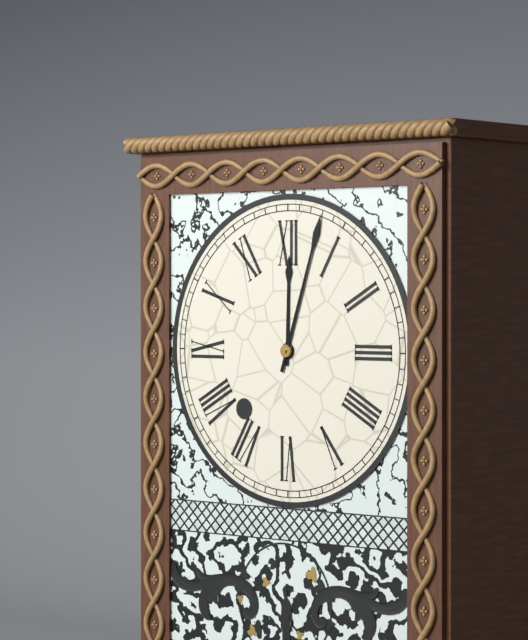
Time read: **12:03**
